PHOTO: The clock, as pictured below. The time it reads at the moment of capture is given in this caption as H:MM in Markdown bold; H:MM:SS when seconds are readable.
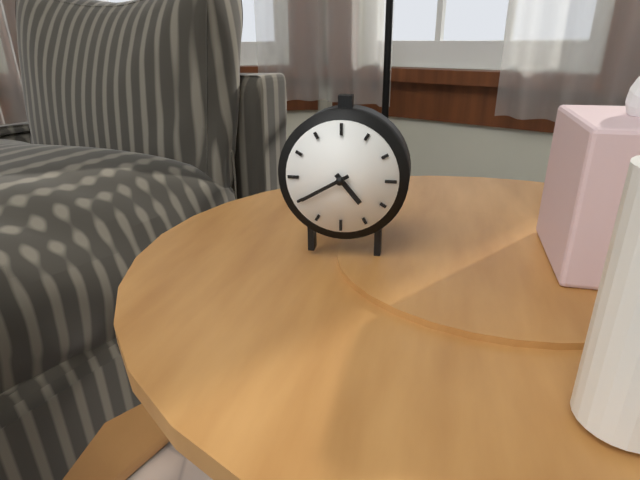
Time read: **4:40**
